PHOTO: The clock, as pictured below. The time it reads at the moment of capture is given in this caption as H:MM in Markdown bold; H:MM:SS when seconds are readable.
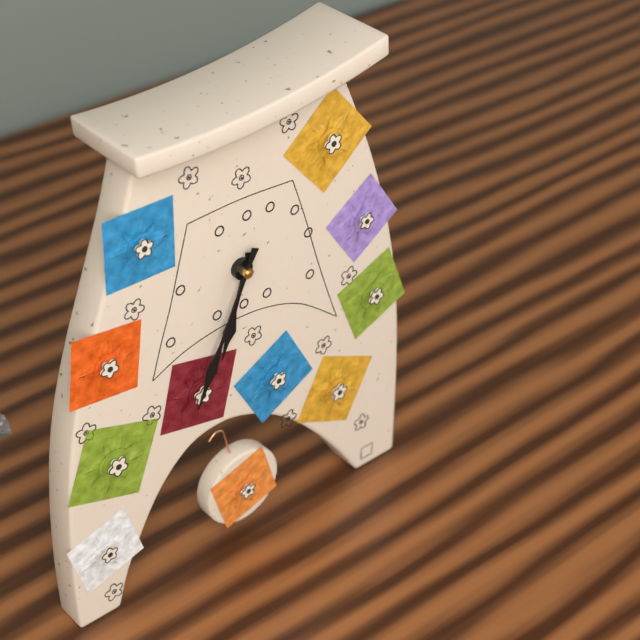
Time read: **6:34**
